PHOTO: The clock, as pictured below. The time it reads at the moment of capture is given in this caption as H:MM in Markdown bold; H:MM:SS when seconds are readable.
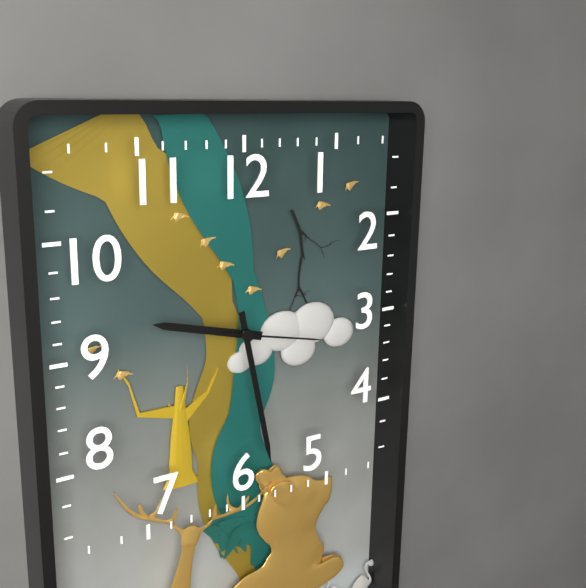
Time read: **9:28:17**
